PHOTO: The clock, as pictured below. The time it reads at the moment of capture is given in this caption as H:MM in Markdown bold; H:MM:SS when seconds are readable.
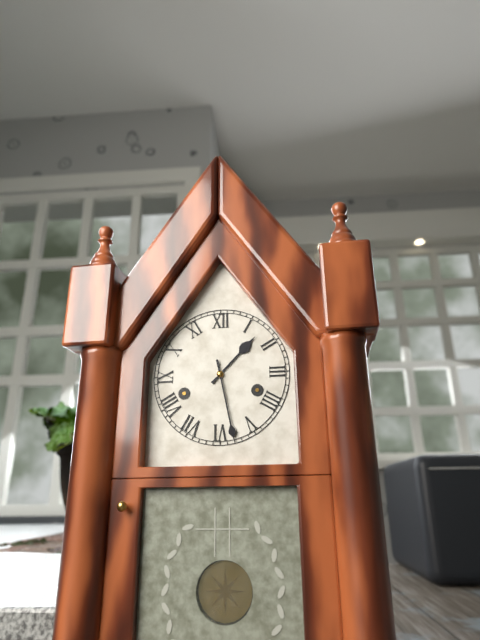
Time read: **1:28**
